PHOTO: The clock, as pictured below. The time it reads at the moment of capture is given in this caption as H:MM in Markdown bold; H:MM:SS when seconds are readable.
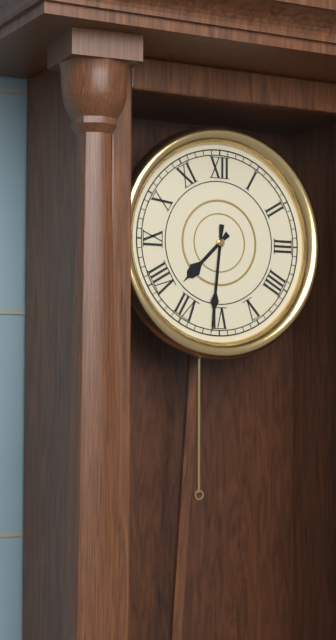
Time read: **7:31**
